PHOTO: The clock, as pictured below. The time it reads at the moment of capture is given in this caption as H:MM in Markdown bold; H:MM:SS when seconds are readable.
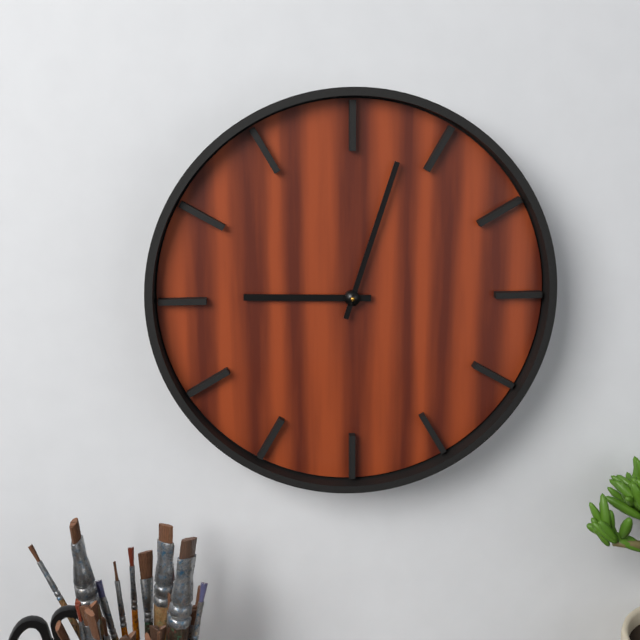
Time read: **9:03**
